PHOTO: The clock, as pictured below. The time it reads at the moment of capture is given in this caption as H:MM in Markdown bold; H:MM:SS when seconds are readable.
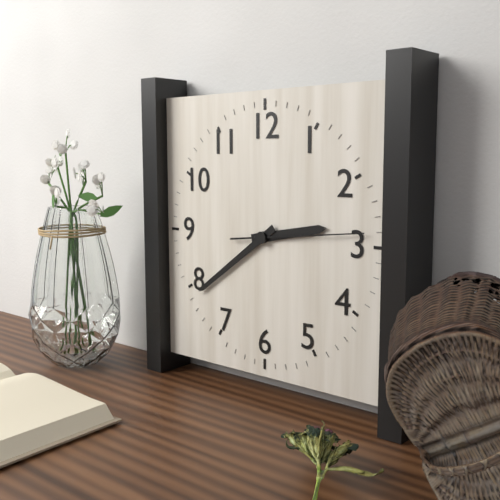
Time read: **2:39:14**
